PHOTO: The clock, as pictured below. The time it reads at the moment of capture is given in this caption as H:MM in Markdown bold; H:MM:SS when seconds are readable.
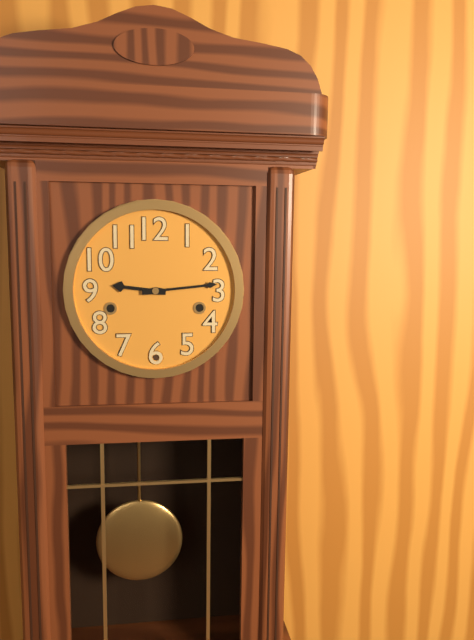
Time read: **9:14**
